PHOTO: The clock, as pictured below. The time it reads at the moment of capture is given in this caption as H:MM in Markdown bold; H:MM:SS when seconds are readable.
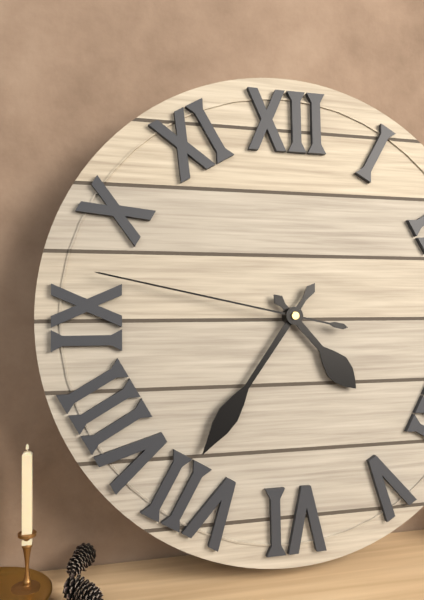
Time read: **4:36:47**
